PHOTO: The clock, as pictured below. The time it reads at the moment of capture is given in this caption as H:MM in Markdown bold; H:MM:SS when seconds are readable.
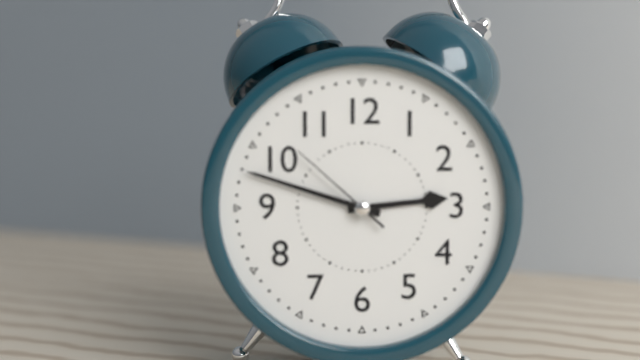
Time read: **2:48:52**
